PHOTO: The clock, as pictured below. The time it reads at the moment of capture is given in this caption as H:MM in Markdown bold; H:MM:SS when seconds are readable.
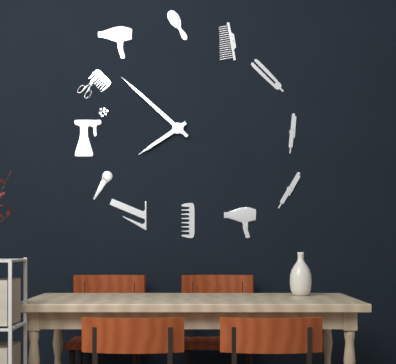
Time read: **7:52**
